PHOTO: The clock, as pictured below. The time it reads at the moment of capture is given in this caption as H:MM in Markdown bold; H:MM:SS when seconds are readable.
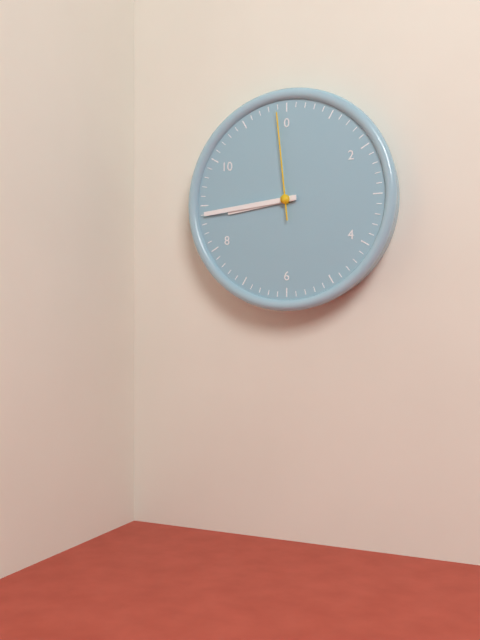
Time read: **8:44:59**
